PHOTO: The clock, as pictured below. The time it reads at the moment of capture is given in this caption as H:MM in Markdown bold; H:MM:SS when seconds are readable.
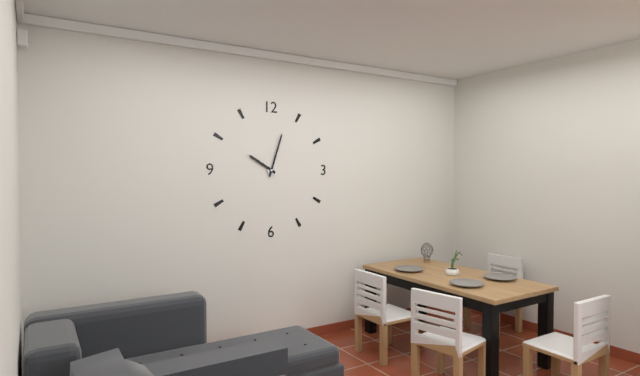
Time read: **10:03**
